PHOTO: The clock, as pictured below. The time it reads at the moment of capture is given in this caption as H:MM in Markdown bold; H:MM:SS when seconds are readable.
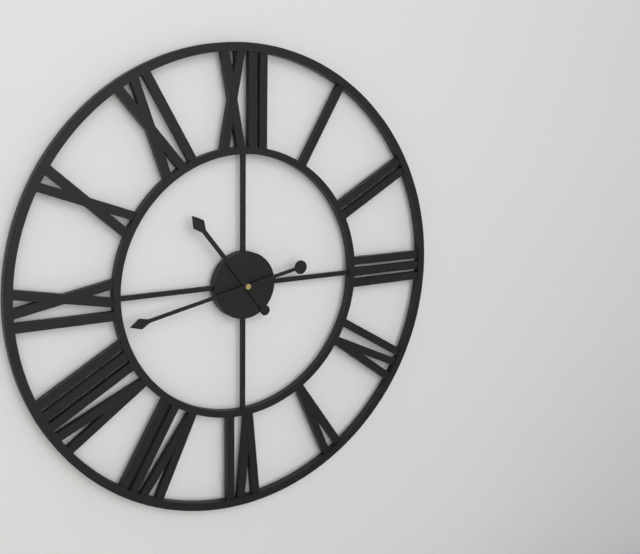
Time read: **10:43**
